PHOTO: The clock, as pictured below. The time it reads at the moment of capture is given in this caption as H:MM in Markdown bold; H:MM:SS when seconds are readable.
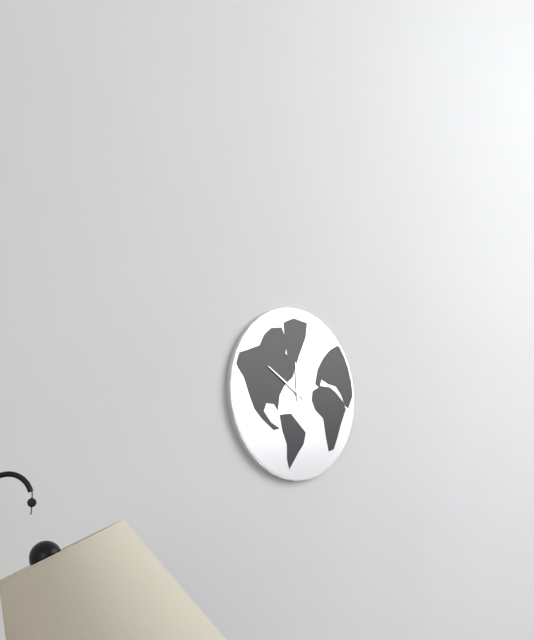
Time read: **11:50**
